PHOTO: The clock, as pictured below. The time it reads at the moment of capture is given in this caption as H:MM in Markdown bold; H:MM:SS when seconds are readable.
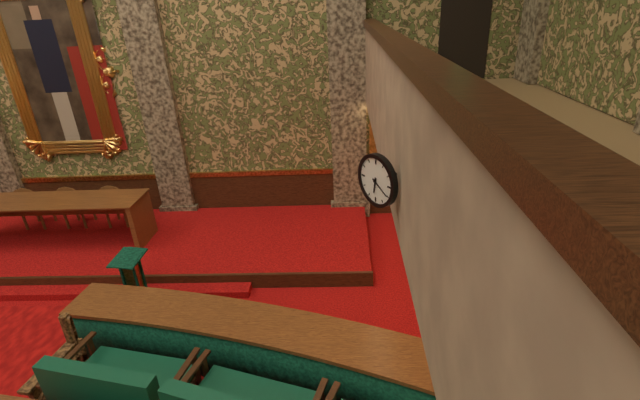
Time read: **6:20**
